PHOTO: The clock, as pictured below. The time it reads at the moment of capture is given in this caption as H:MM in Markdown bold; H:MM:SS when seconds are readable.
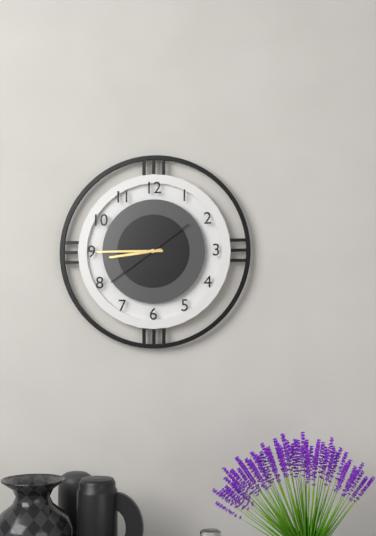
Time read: **8:45:39**
